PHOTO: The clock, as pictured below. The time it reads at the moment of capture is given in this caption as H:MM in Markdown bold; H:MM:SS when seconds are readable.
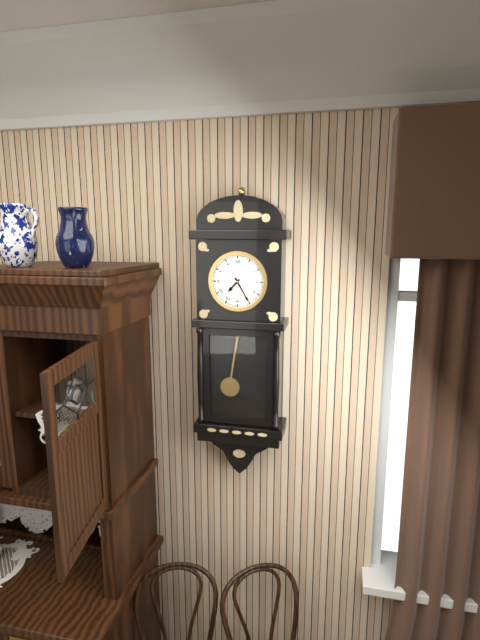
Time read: **7:25**
